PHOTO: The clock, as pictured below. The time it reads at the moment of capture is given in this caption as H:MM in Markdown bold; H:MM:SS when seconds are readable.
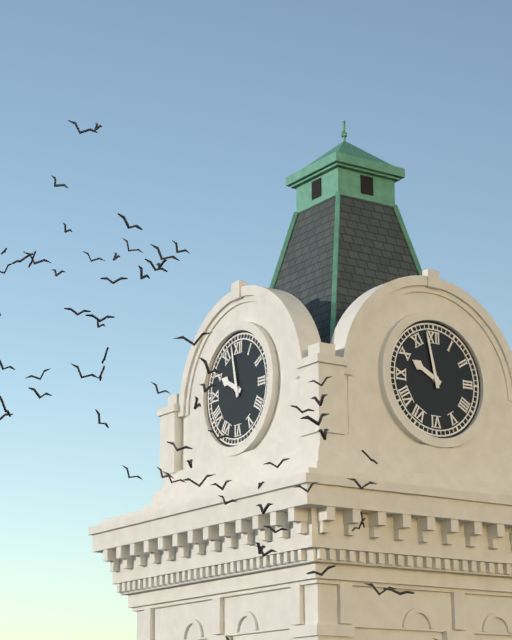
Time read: **9:58**
